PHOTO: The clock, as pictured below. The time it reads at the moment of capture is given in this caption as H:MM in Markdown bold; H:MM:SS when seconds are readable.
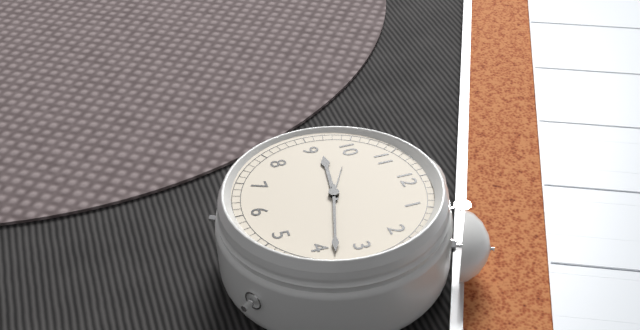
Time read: **9:18**
